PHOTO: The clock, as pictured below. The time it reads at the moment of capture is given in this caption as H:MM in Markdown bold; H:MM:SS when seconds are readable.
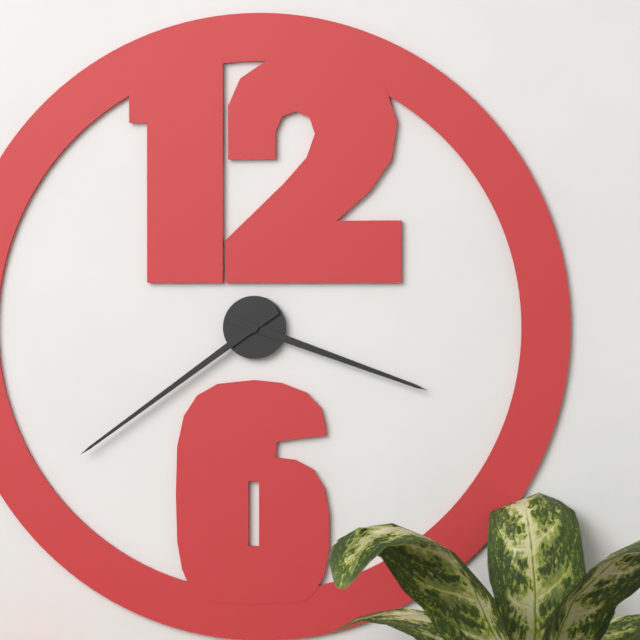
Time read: **3:39**
